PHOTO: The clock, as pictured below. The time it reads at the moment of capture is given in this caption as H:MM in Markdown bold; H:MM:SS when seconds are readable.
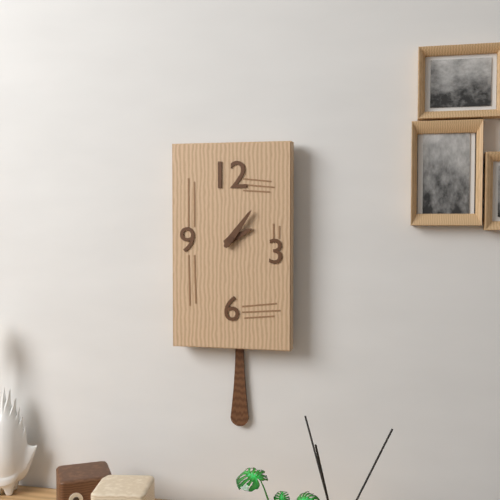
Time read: **2:06**
